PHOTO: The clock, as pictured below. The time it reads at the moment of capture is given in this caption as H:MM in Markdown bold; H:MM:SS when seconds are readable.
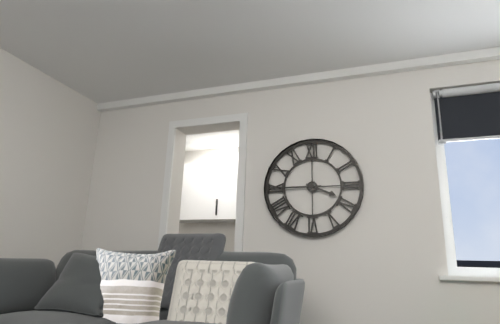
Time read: **3:45**
